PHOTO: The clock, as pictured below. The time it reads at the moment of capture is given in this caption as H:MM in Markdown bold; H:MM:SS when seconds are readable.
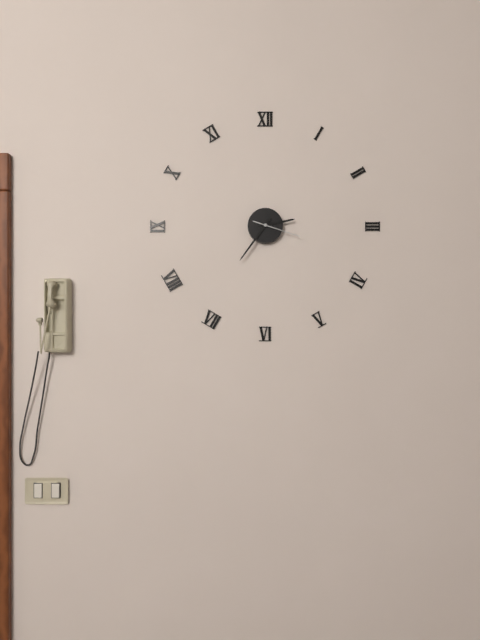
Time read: **2:36**
